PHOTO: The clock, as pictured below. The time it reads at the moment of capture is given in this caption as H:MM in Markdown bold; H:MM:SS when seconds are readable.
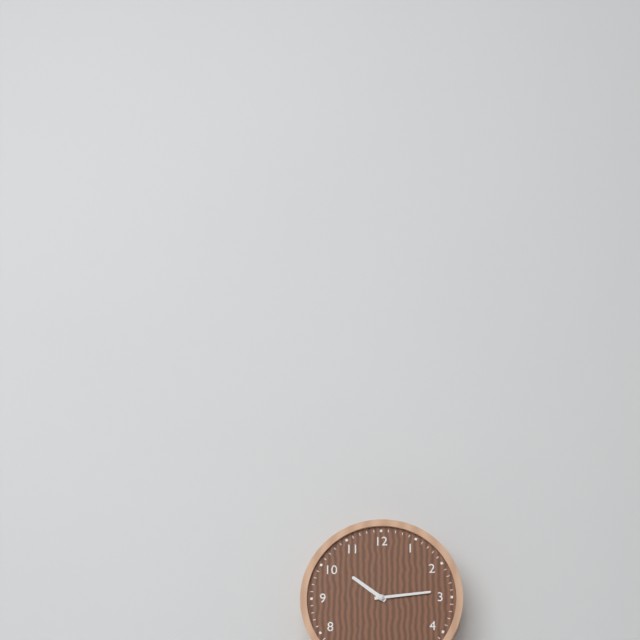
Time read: **10:14**
